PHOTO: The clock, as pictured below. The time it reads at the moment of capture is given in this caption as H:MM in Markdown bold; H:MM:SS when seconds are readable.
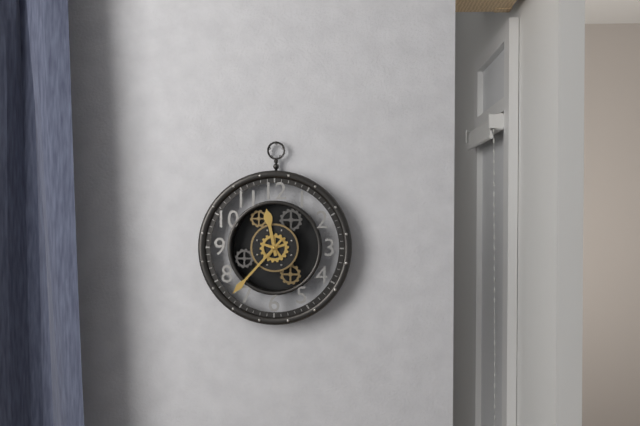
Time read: **11:37**
